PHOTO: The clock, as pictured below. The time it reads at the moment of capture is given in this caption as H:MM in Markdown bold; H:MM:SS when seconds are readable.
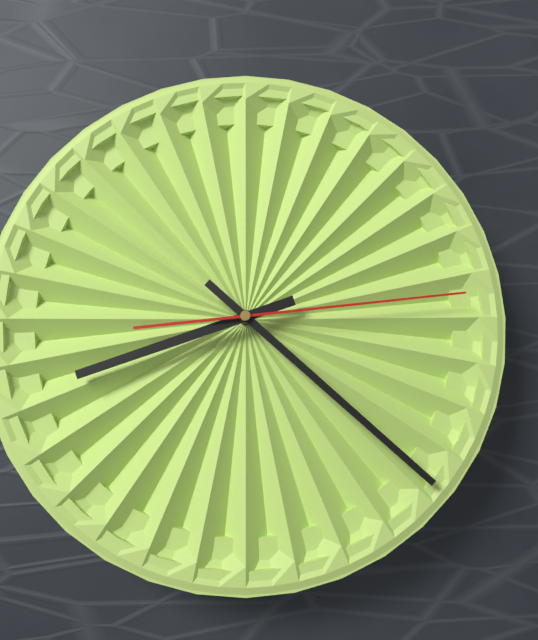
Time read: **8:22:14**
